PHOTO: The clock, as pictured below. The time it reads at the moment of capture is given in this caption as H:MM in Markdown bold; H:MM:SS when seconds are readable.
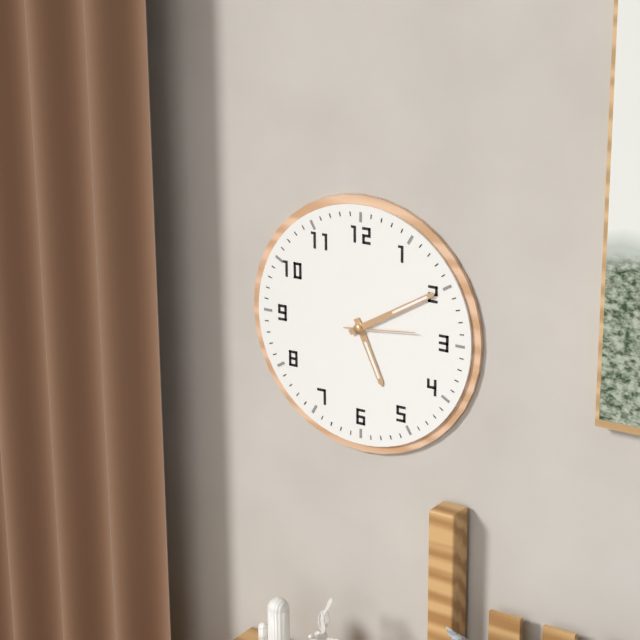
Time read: **5:10:14**
